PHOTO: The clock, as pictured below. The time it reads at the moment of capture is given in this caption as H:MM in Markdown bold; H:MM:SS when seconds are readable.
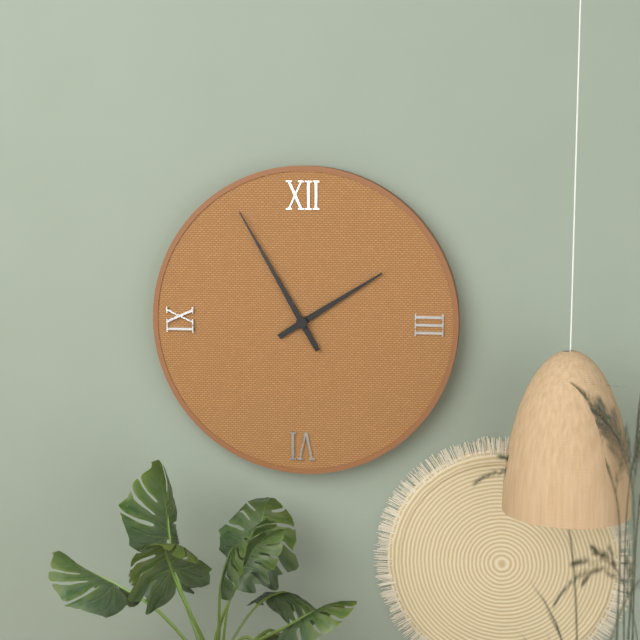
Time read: **1:55**
